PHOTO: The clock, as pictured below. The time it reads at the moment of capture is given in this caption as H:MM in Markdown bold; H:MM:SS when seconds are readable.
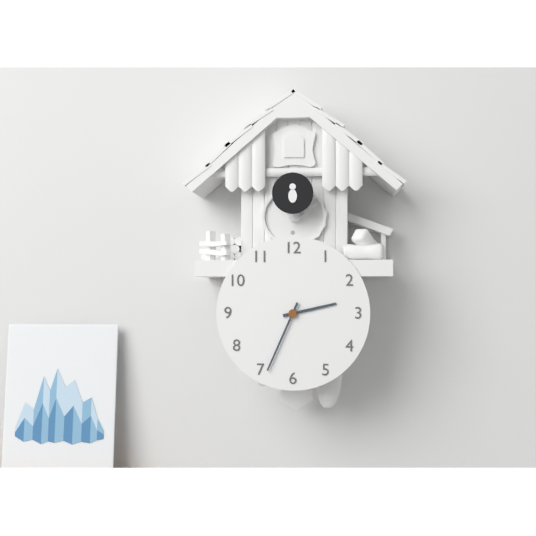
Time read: **2:34**
